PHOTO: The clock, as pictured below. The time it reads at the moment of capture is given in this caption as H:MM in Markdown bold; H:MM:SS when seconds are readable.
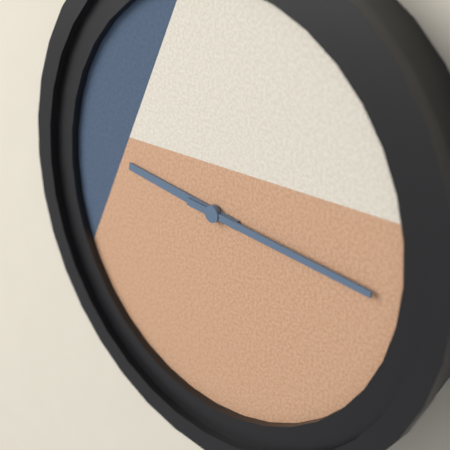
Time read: **9:16**
